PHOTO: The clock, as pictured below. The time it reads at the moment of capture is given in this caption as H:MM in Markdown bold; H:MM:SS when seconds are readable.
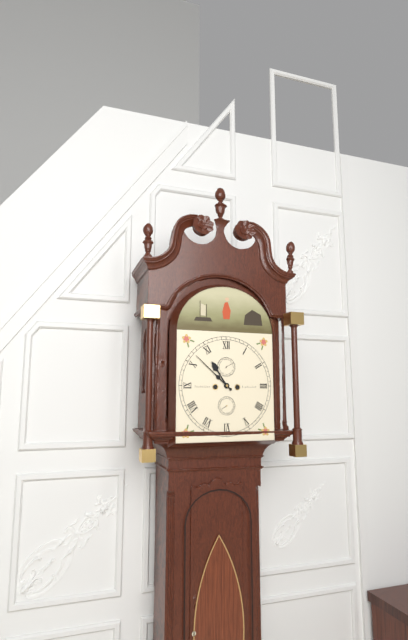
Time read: **10:52**
